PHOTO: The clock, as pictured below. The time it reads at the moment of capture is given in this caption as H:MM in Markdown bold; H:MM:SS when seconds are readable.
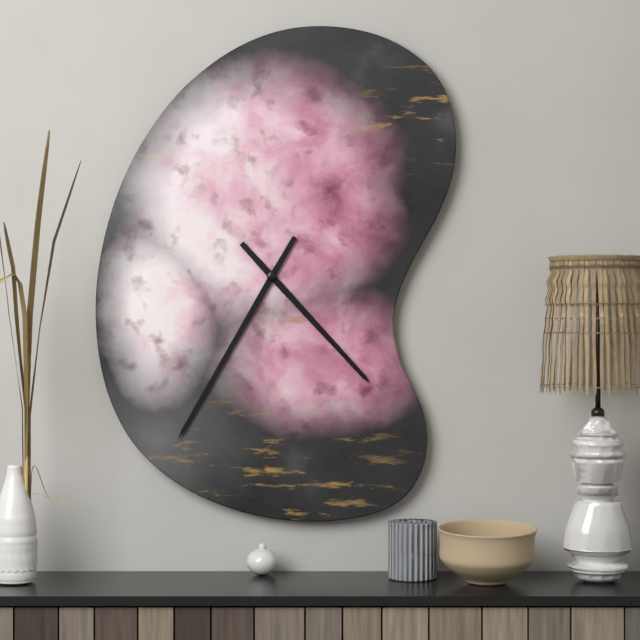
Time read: **4:35**
